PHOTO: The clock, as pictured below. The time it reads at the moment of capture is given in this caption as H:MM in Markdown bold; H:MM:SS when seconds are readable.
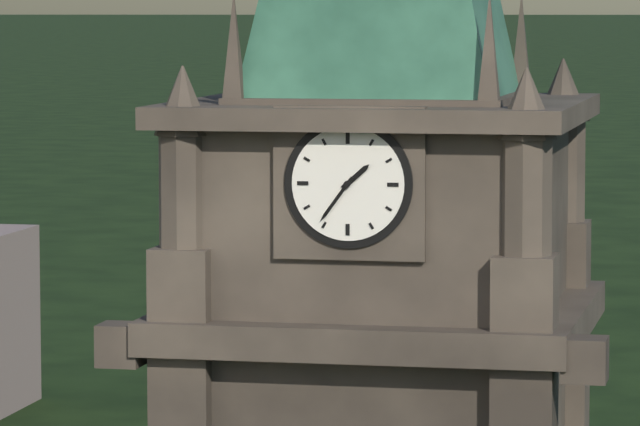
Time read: **1:36**
